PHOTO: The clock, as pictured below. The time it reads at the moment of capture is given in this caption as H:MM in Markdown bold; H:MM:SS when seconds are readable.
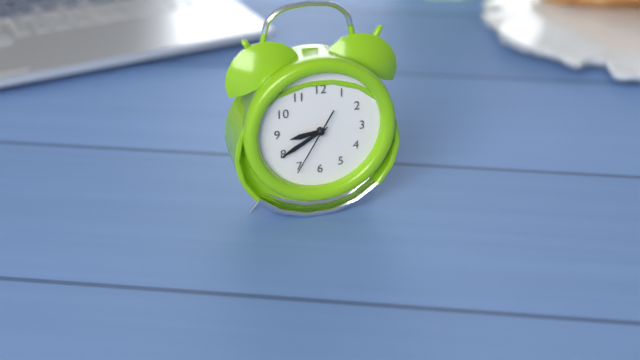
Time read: **8:40:35**
